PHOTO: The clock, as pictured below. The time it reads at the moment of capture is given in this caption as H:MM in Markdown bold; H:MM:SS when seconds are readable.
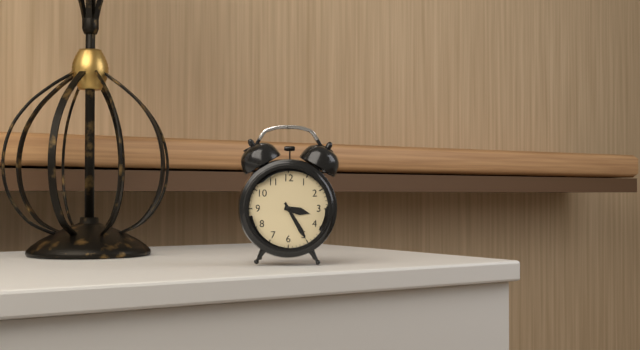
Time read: **3:25**
